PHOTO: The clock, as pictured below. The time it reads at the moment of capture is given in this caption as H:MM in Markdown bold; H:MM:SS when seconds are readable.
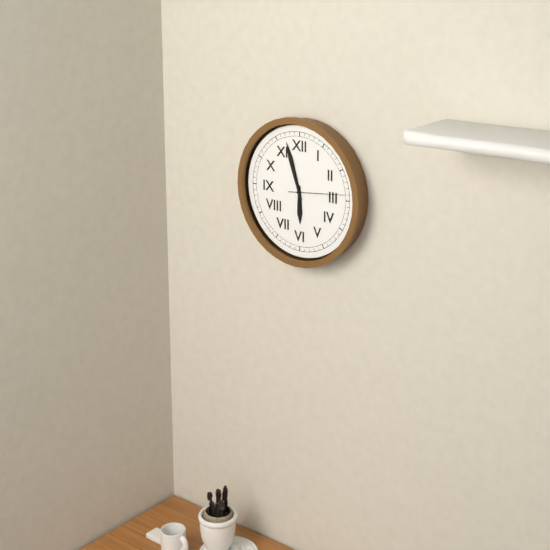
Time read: **5:57:14**
